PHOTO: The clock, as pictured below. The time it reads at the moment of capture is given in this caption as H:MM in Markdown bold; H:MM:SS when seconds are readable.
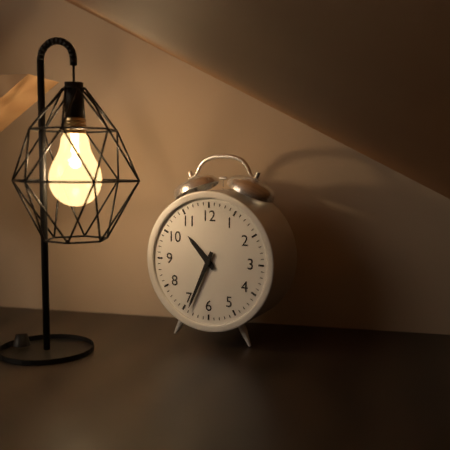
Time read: **10:34**
